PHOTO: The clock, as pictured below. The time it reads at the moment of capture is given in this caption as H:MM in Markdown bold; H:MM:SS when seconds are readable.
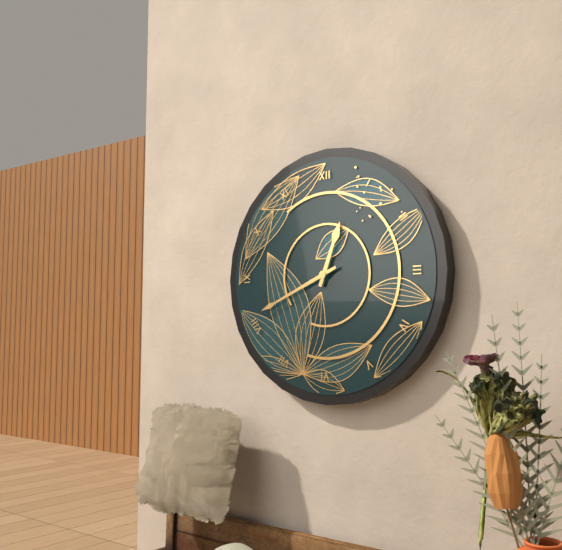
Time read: **12:41**
